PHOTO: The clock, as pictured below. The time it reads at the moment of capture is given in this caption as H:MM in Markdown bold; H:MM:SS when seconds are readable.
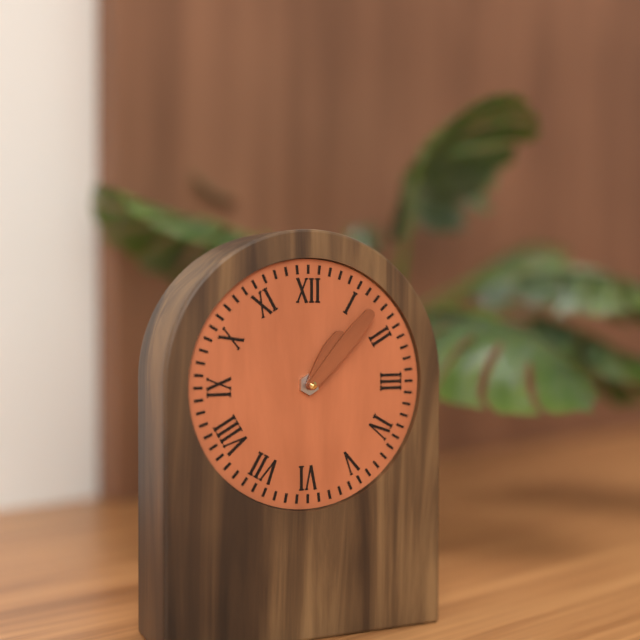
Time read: **1:07**
